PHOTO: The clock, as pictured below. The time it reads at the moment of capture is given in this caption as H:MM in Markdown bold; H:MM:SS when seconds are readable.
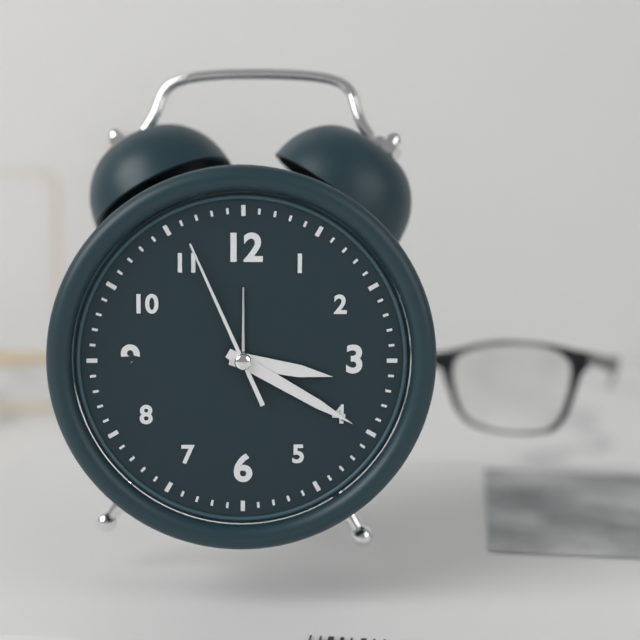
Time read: **3:20:56**
